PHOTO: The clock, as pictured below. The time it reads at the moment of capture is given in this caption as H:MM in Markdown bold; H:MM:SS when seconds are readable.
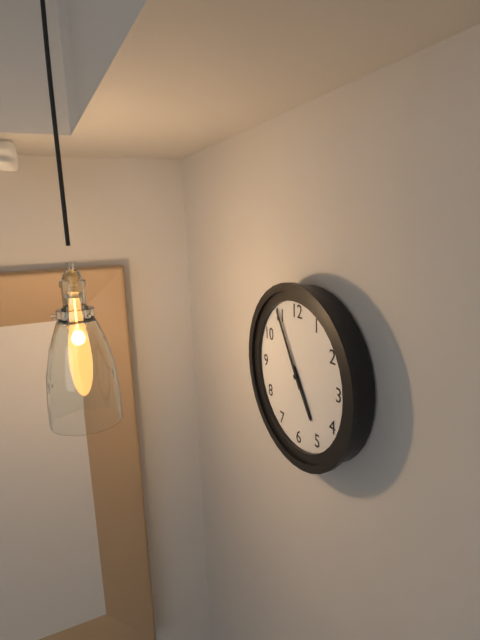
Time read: **4:55**
